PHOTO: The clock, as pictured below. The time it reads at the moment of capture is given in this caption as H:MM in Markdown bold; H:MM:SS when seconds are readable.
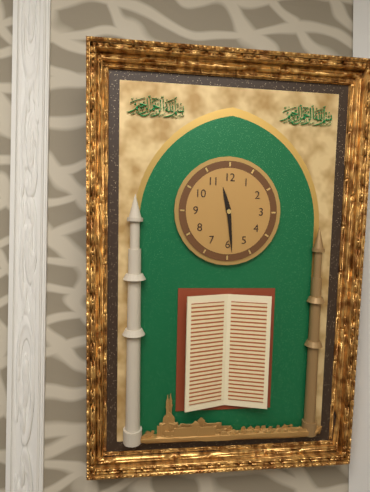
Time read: **11:29**
